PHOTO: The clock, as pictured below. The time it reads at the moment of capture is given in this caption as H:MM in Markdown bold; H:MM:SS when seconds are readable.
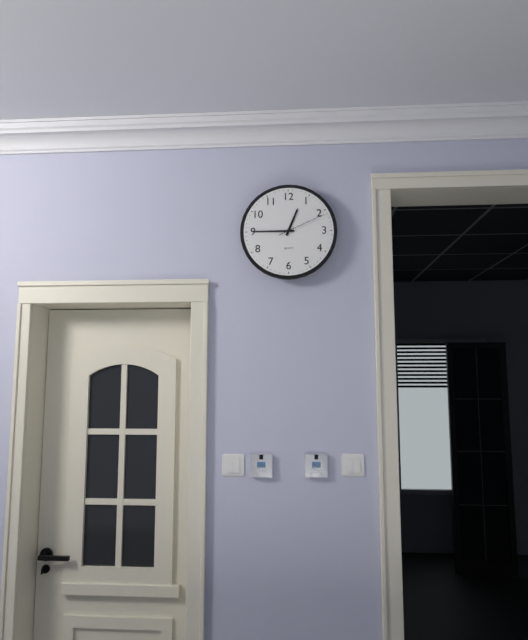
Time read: **12:45:11**
